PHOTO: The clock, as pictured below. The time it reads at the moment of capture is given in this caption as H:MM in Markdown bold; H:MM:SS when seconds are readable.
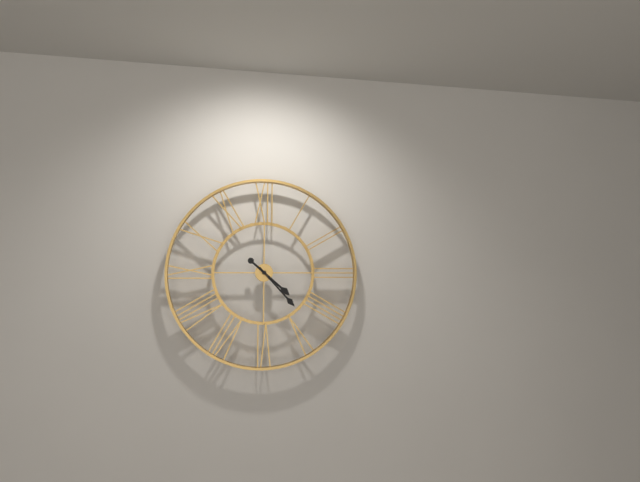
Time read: **4:23**
